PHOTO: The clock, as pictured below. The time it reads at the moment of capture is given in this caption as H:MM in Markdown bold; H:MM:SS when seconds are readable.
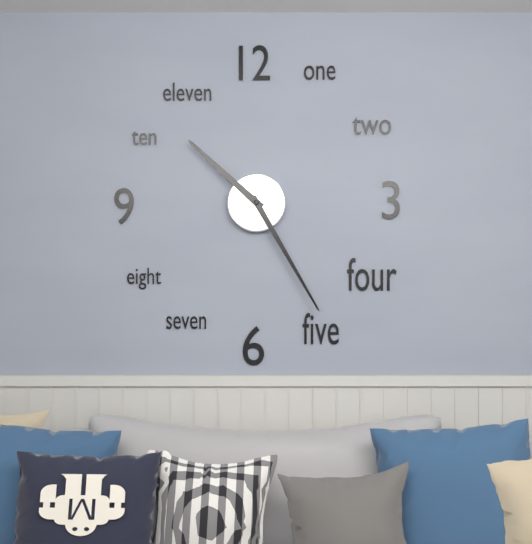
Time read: **10:25**
